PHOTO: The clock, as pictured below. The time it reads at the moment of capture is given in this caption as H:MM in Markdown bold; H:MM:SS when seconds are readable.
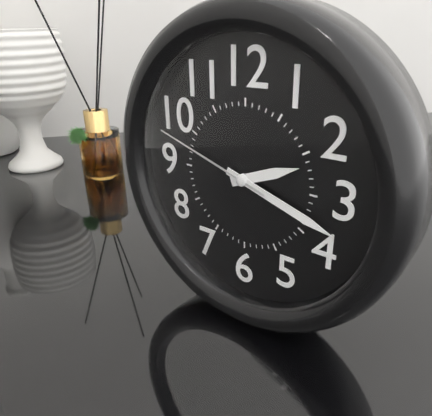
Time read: **2:18:48**
